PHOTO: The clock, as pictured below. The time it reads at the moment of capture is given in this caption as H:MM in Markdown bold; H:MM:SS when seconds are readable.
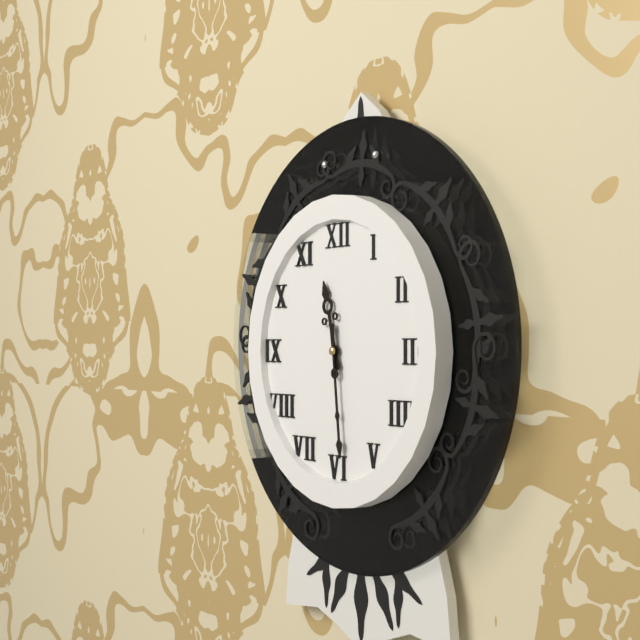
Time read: **11:29**
